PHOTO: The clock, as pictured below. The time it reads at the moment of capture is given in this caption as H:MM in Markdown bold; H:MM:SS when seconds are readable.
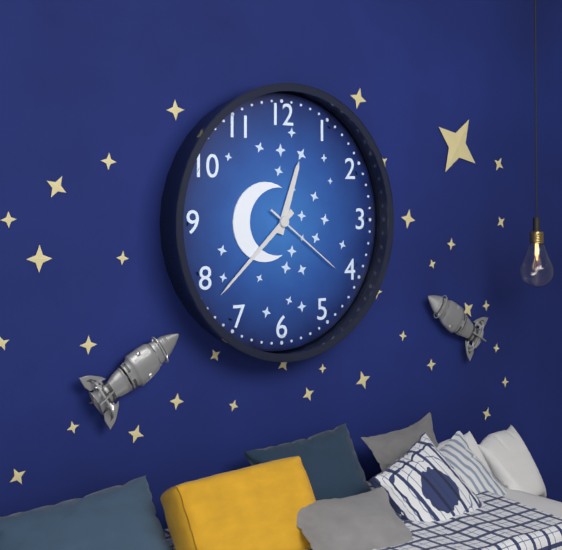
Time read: **12:38:21**
